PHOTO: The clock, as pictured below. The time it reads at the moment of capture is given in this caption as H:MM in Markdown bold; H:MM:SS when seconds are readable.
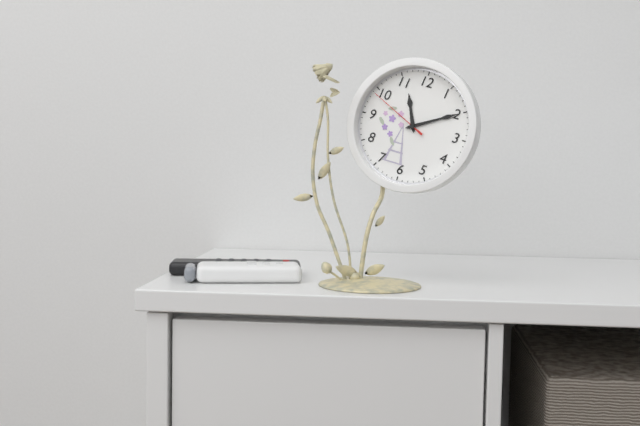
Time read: **11:10:49**
